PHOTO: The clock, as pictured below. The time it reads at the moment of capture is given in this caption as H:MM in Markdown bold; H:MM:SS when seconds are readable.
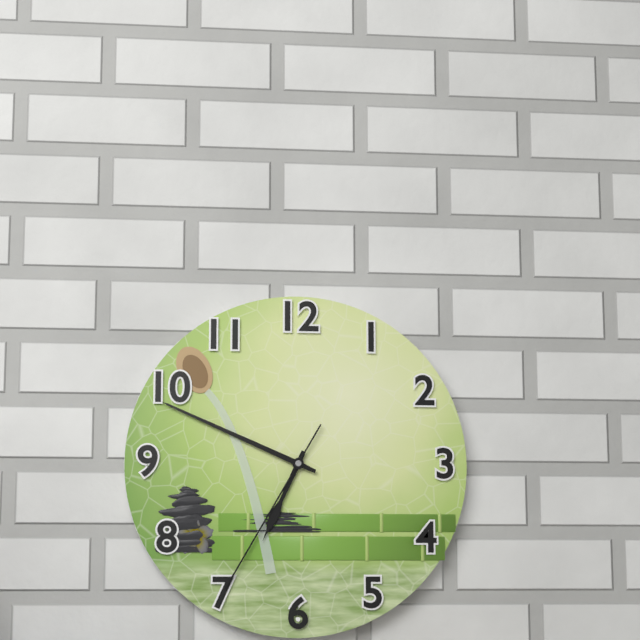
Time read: **6:49:35**
